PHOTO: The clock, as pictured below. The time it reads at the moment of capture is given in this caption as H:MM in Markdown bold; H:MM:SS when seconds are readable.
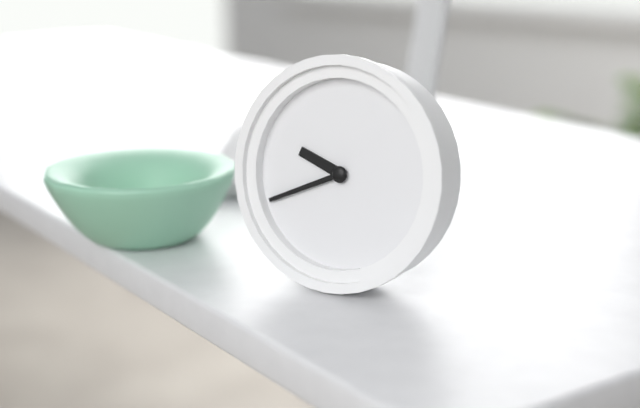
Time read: **9:41**
